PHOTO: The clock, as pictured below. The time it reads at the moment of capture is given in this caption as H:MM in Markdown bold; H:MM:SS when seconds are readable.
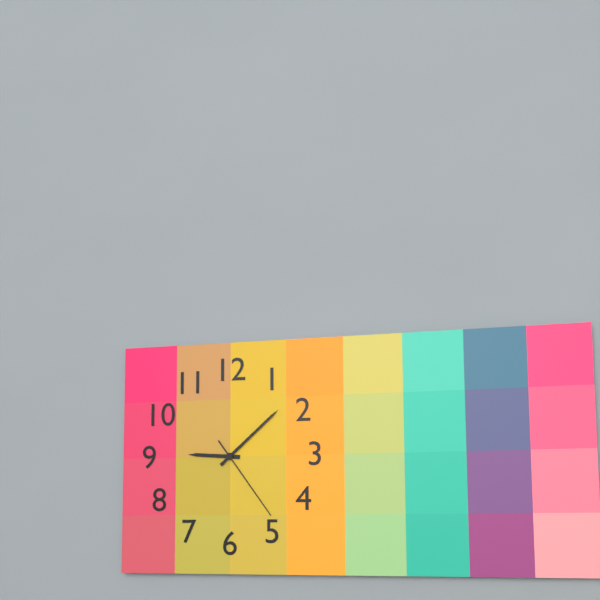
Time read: **9:08:24**
